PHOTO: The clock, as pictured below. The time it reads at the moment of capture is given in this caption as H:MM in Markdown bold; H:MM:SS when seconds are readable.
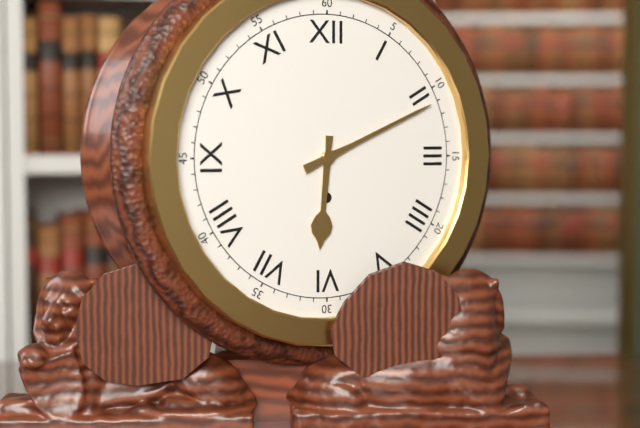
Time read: **6:11**
